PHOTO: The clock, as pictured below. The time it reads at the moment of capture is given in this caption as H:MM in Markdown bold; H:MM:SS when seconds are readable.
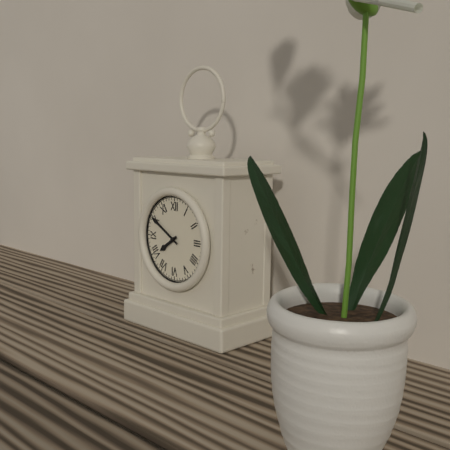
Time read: **7:50**
